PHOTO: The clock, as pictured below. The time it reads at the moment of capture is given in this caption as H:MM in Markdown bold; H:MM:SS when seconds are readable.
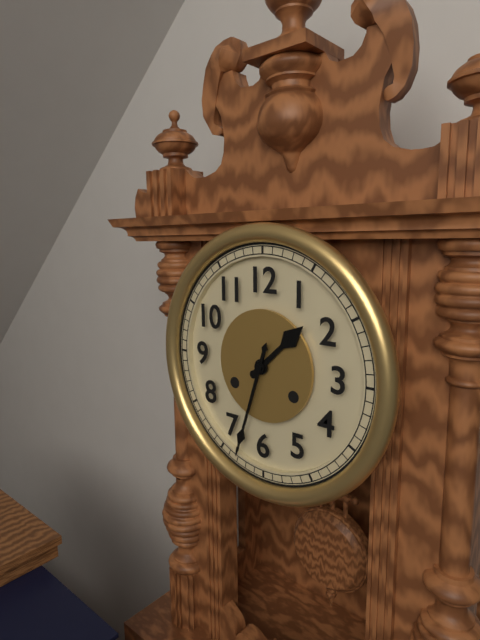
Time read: **1:33**
